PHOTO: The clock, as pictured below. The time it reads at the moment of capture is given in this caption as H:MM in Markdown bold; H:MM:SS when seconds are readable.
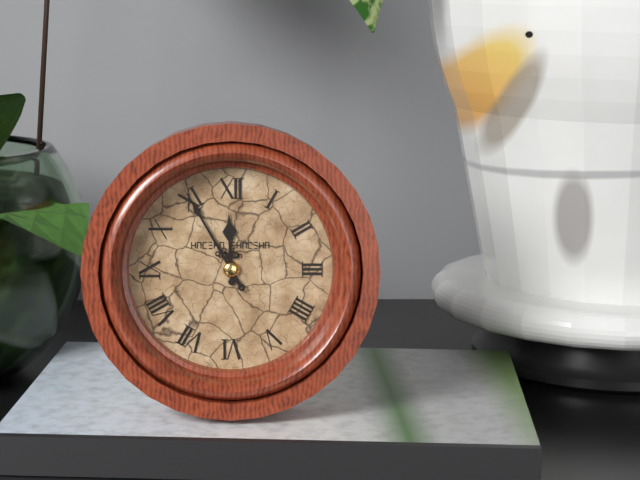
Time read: **11:55**
